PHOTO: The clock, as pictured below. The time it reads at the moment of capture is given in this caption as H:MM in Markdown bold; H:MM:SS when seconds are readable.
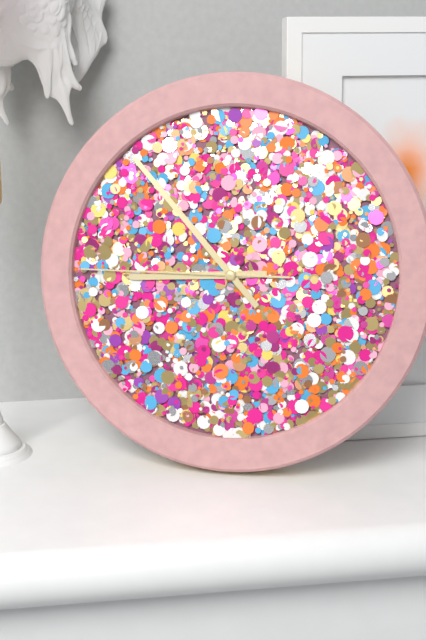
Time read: **8:53:45**
